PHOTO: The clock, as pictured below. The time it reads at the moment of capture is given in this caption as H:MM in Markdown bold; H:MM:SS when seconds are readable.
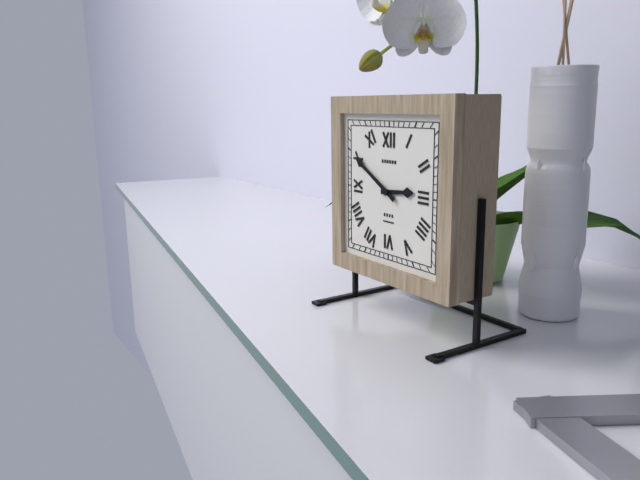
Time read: **2:50**
